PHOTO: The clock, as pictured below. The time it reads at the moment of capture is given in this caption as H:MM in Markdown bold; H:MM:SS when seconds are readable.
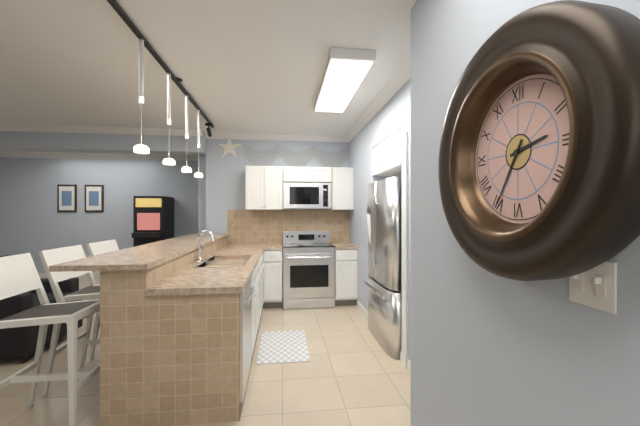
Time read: **2:35**
